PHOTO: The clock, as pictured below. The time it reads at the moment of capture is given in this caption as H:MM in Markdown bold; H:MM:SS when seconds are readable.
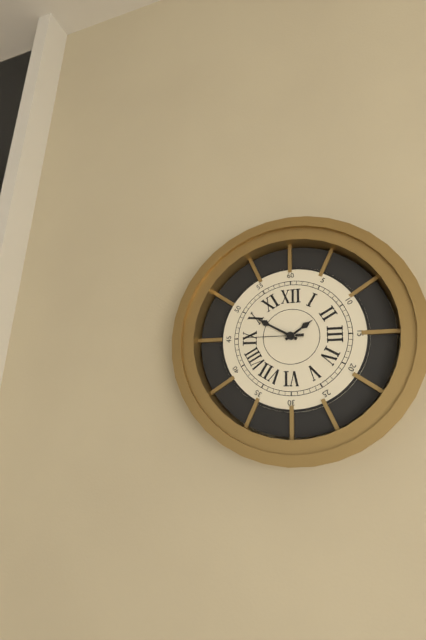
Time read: **1:50:45**
